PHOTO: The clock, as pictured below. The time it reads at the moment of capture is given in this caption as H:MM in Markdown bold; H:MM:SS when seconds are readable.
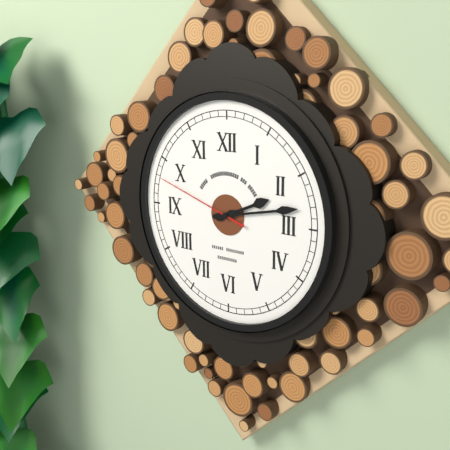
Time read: **2:13:48**
